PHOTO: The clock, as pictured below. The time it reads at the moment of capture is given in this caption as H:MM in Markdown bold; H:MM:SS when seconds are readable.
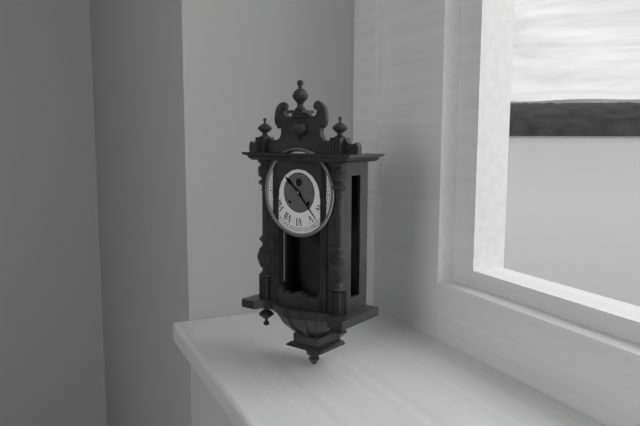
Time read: **10:23**
